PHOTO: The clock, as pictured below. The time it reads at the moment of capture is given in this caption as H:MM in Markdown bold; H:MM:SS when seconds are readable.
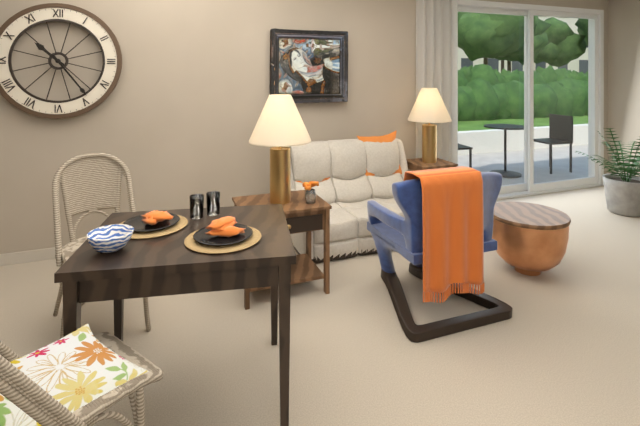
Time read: **10:24**
